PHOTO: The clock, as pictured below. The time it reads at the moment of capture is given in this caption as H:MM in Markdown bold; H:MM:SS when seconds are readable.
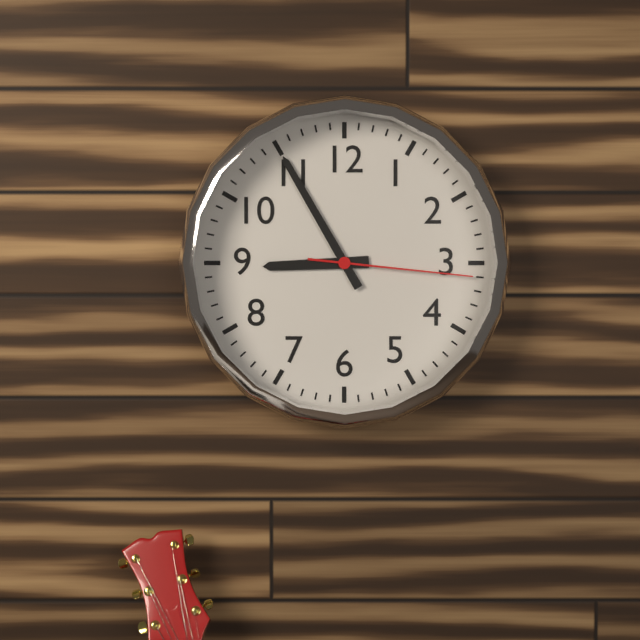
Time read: **8:55:16**
